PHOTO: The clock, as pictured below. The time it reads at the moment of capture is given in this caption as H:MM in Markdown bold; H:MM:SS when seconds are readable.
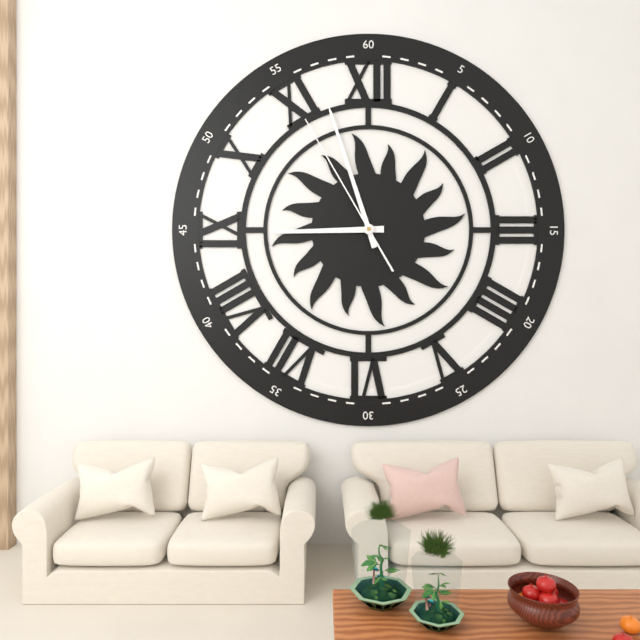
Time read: **8:57:55**
